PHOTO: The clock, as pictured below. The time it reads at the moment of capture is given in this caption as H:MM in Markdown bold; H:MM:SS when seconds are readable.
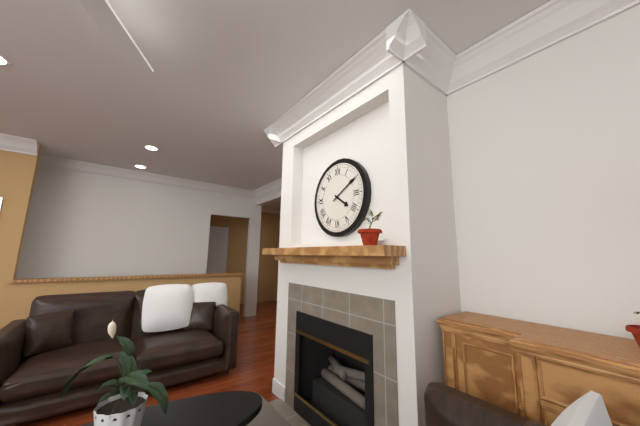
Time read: **4:10**
